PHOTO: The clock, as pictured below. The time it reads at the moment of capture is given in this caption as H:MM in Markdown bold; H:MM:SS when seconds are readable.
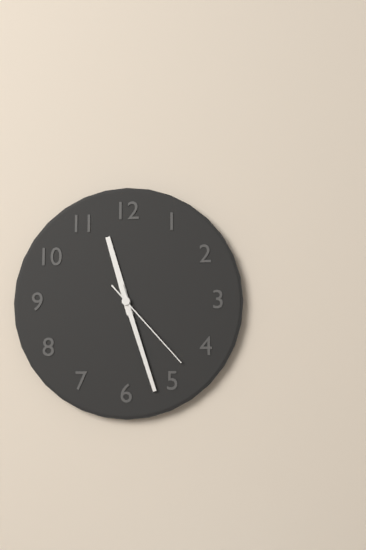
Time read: **11:27:23**
